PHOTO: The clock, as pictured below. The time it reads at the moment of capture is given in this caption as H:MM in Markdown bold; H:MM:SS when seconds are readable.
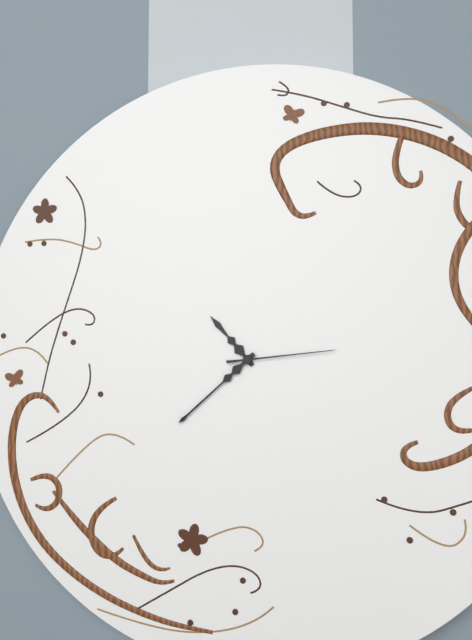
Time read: **10:38:14**
